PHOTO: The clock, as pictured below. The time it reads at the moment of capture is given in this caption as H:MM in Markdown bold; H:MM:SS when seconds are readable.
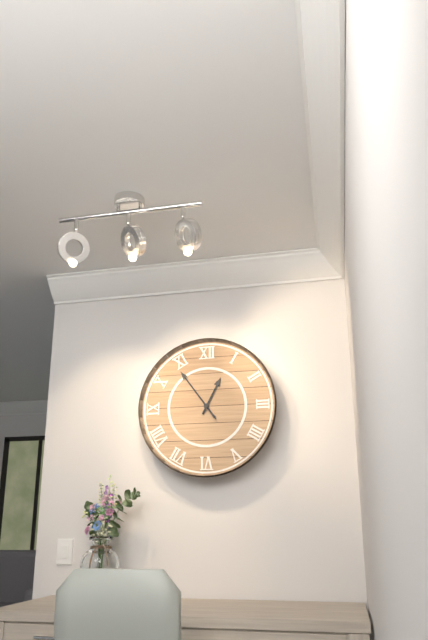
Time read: **12:54**
